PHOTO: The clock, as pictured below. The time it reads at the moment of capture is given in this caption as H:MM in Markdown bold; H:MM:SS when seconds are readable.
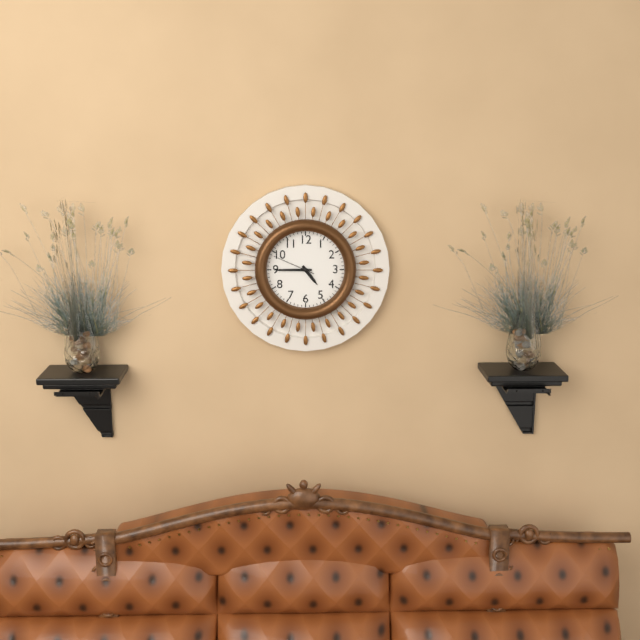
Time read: **4:45**
